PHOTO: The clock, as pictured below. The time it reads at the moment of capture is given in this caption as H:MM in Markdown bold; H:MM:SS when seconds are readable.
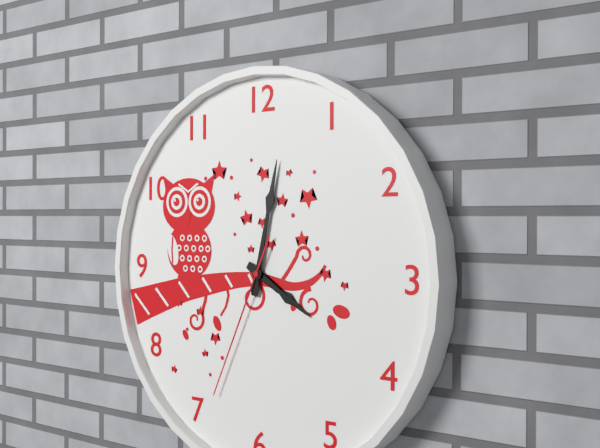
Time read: **4:02:34**
